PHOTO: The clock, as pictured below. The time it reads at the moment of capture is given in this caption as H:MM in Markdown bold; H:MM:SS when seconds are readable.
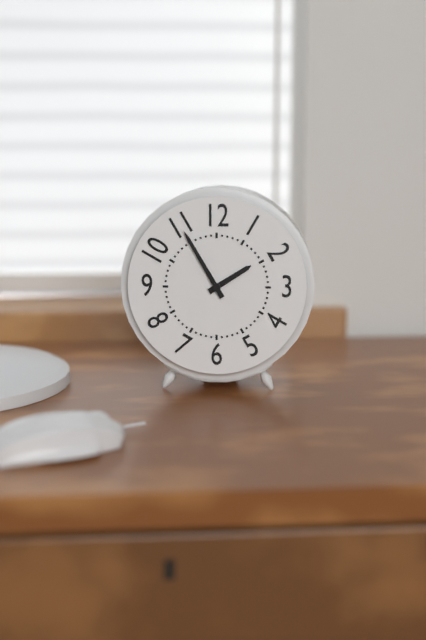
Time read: **1:55**
